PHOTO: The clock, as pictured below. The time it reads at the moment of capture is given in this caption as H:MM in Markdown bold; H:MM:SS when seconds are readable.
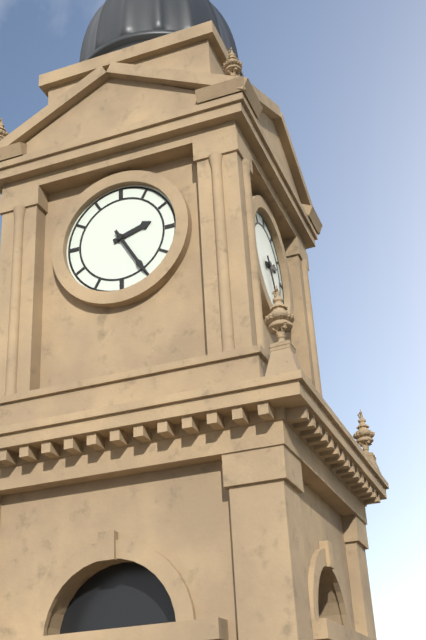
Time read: **2:25**
